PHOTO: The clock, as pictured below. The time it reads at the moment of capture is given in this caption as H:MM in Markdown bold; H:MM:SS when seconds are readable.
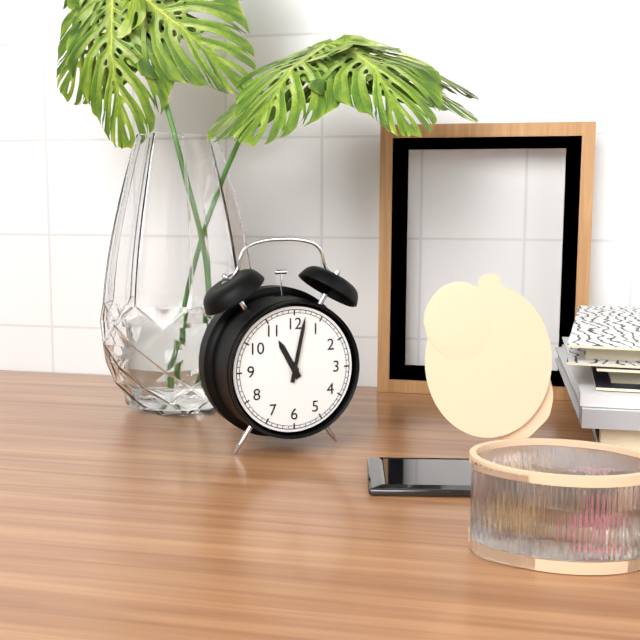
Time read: **11:02**
